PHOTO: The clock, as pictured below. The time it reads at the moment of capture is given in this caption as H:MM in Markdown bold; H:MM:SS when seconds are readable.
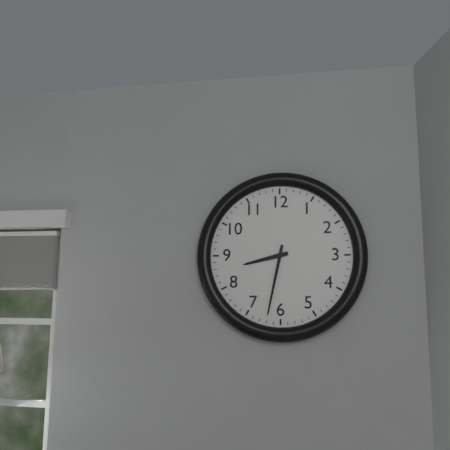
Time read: **8:32**
